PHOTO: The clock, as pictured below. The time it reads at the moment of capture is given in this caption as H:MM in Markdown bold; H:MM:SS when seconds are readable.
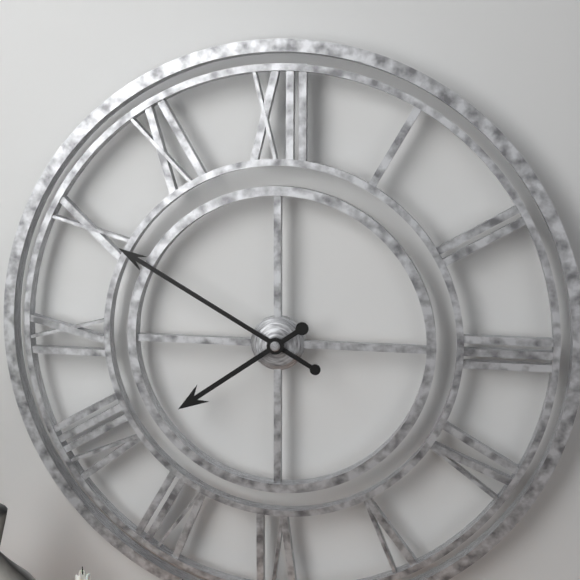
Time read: **7:50**
